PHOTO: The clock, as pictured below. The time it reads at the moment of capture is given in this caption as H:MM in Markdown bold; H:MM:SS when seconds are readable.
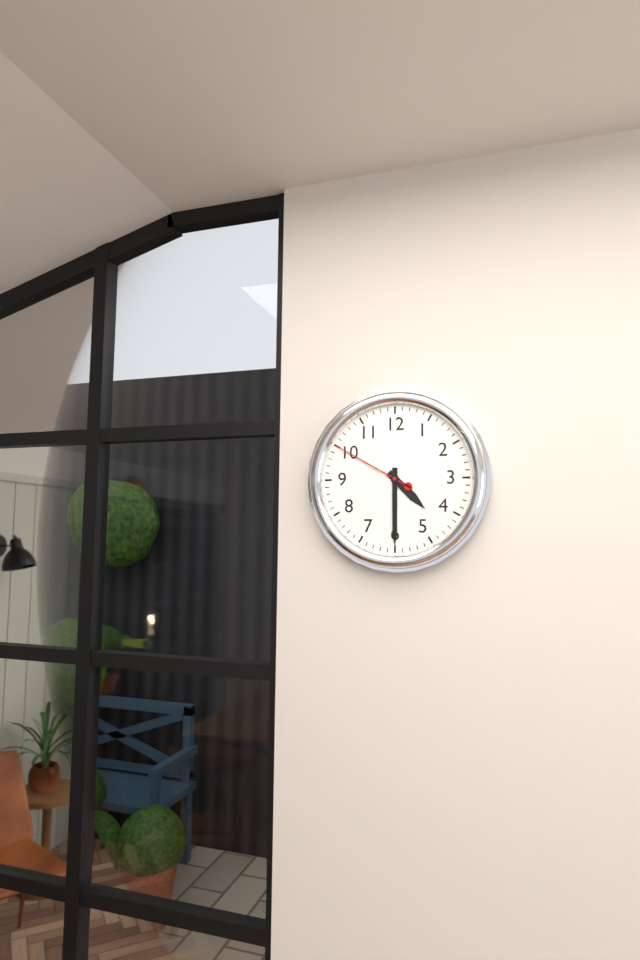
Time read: **4:30:50**
